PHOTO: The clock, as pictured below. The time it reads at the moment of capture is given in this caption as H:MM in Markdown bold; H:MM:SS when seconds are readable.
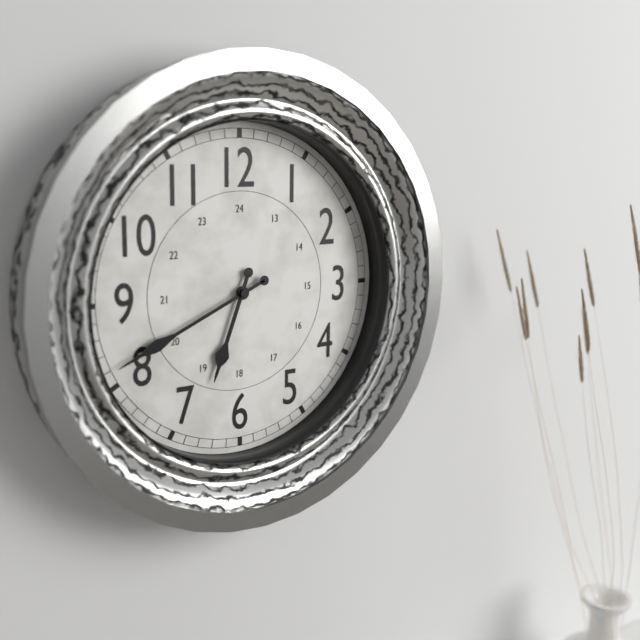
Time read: **6:41**
